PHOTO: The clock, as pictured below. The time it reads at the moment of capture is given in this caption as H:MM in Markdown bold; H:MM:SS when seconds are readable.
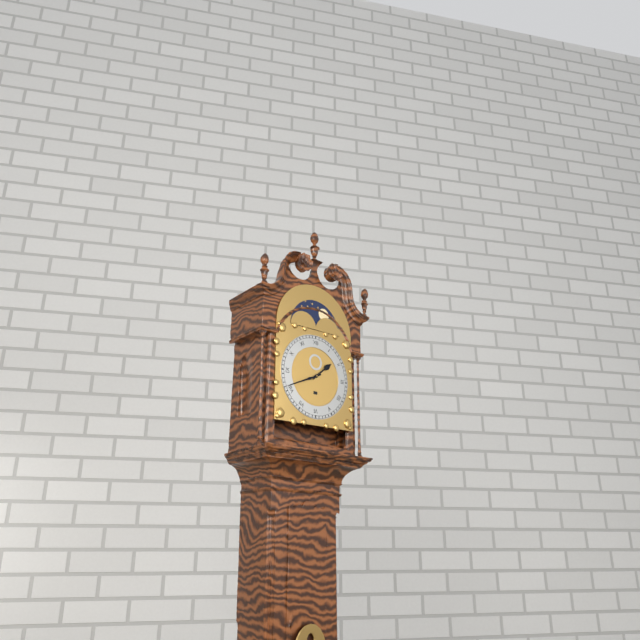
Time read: **1:41**
